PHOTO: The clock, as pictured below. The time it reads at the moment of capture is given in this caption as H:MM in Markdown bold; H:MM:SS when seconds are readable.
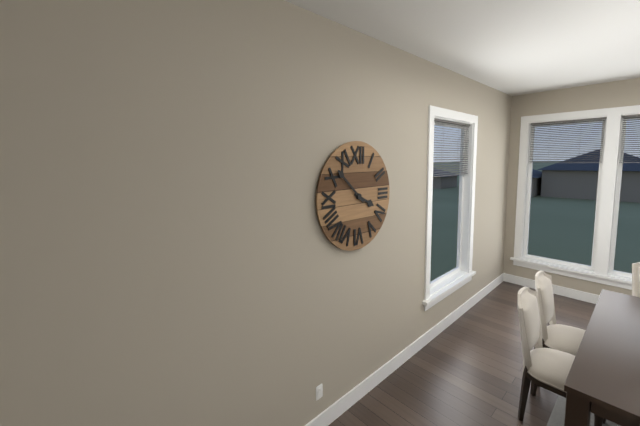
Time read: **3:52**
